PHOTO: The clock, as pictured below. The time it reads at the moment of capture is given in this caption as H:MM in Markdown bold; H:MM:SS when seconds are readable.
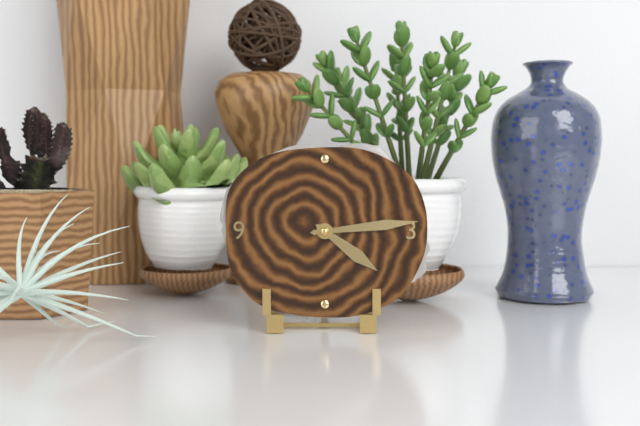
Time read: **4:14**
